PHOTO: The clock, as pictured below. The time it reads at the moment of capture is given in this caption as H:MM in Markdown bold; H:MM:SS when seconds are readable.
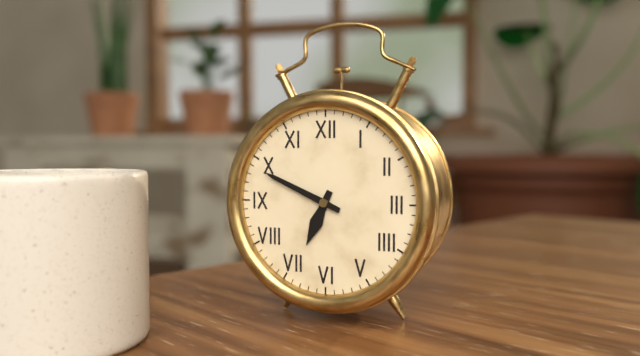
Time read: **6:49**
